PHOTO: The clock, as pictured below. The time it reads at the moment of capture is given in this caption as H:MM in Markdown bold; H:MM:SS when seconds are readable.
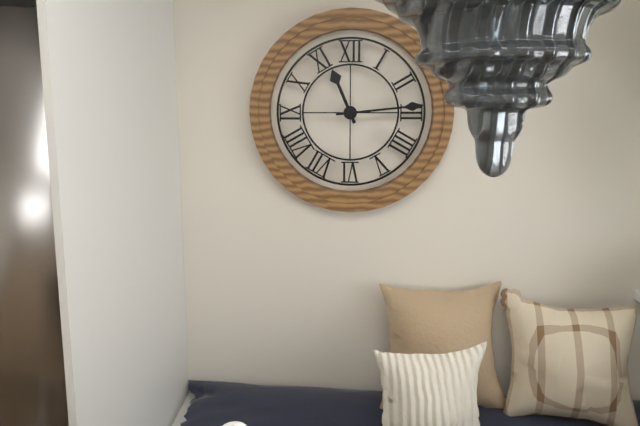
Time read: **11:14**
